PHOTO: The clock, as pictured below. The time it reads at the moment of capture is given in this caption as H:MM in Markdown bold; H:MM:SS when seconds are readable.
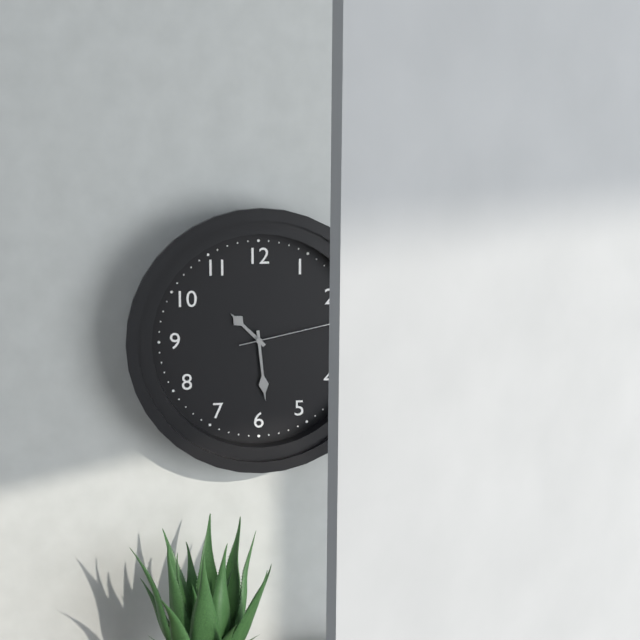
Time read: **10:29:13**
